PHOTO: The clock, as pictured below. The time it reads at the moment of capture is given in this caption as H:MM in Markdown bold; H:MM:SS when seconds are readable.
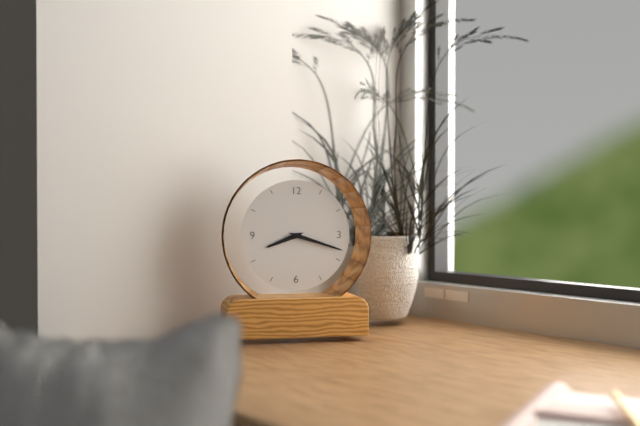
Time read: **8:18**
